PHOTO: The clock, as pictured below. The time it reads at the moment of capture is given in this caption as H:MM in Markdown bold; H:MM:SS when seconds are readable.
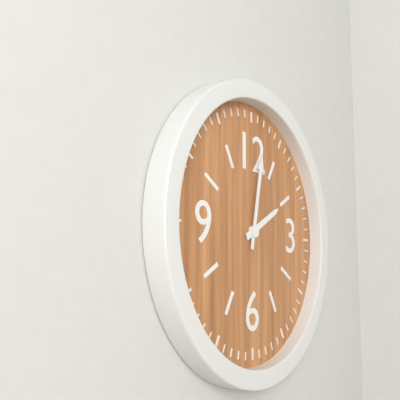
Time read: **2:02**
